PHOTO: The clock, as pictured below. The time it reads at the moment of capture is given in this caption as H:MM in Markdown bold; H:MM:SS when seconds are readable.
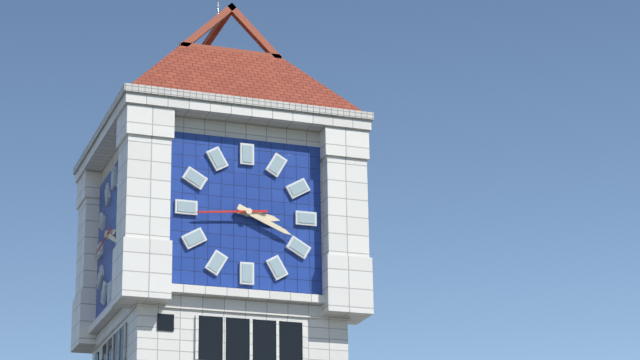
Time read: **3:19:44**
